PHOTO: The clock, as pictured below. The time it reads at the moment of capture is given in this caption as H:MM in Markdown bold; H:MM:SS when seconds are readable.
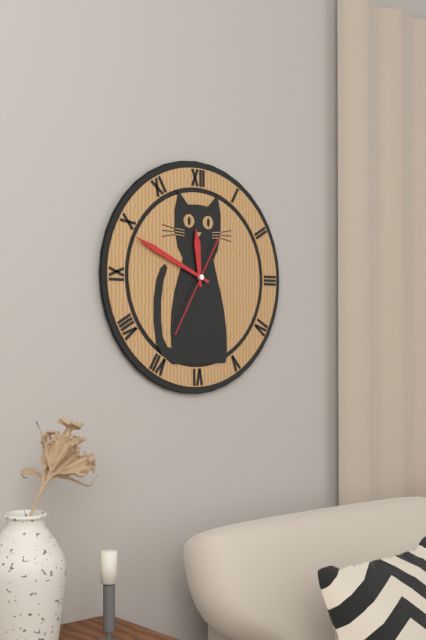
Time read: **11:49:35**
